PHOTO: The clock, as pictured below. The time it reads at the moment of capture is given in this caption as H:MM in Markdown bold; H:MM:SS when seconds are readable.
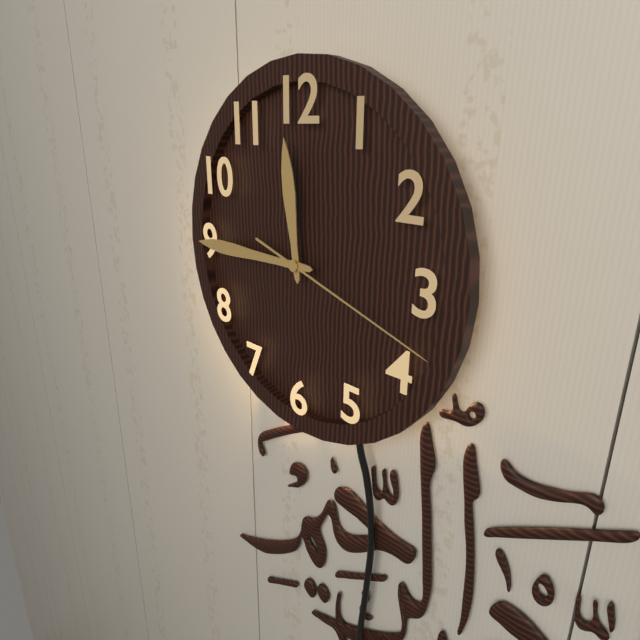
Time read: **11:45:18**
